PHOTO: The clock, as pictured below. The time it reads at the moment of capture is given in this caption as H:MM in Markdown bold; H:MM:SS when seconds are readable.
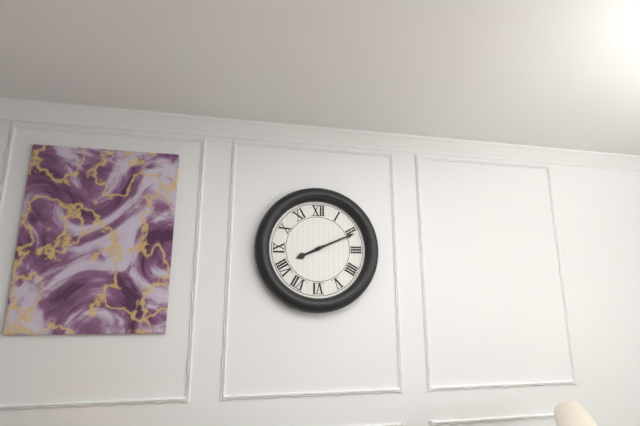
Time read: **8:11**
